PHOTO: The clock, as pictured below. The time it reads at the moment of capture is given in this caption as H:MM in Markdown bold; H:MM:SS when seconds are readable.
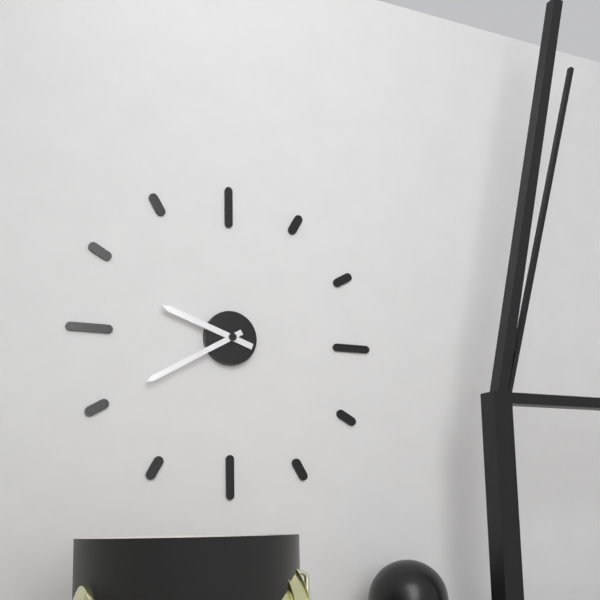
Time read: **9:40**
